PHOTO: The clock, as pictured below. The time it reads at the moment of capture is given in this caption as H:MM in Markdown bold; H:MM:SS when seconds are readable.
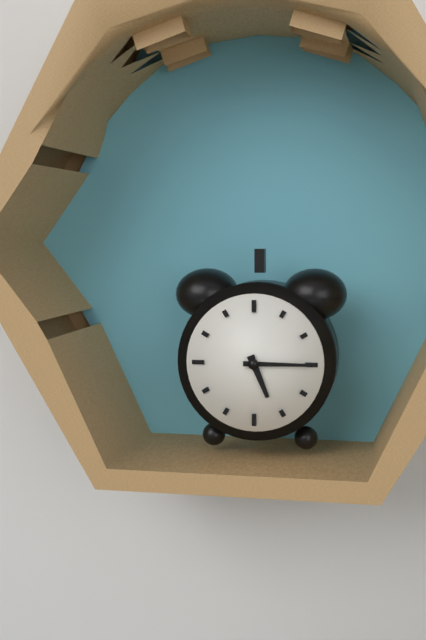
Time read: **5:15**
